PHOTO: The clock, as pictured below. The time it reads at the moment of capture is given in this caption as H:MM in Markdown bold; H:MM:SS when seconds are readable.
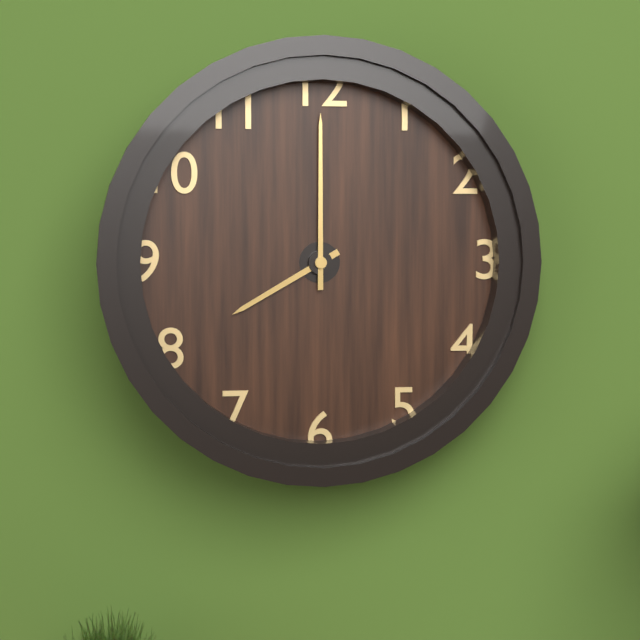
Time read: **8:00**
